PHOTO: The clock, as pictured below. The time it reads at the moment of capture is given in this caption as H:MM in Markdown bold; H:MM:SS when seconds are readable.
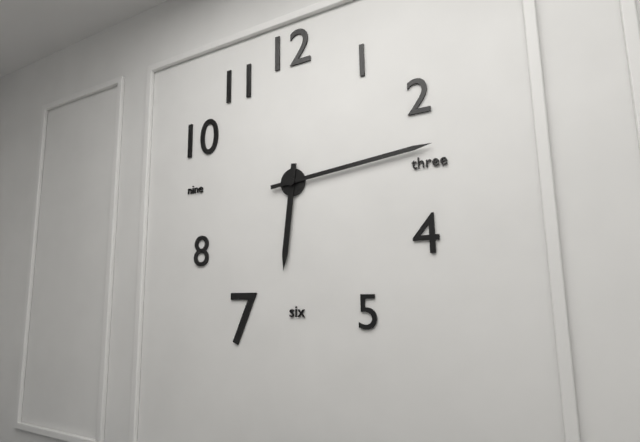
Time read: **6:14**
